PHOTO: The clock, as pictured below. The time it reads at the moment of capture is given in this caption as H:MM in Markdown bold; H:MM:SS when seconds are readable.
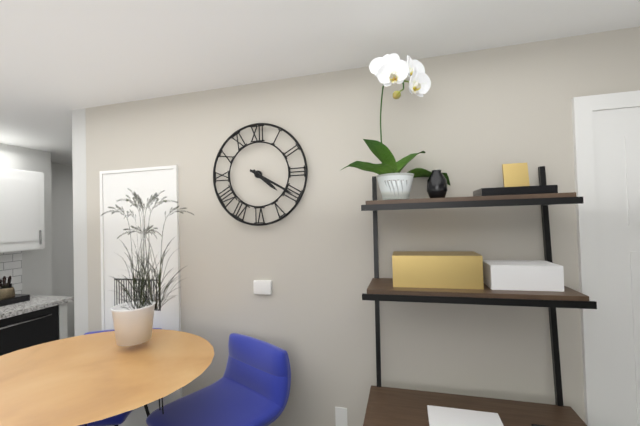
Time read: **4:20**
